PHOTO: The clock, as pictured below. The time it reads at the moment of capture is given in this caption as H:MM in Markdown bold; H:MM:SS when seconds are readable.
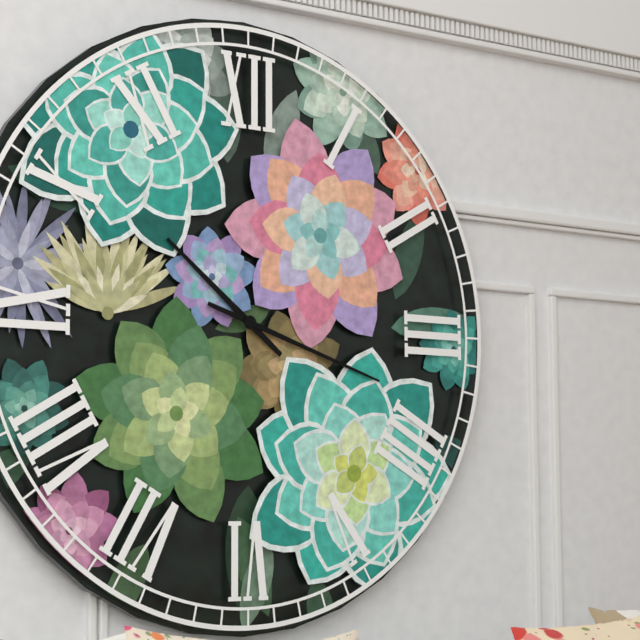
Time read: **10:18**
